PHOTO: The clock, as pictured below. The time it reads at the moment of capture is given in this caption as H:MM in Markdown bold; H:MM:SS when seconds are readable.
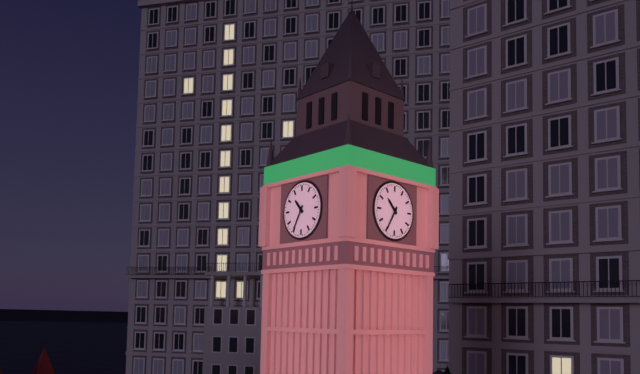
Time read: **10:35**
